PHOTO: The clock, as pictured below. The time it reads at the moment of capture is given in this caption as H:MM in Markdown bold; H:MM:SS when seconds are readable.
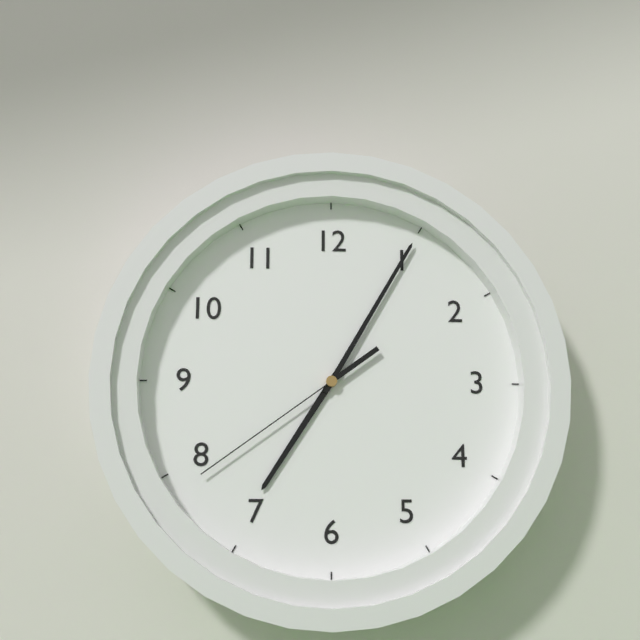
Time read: **7:05:39**
